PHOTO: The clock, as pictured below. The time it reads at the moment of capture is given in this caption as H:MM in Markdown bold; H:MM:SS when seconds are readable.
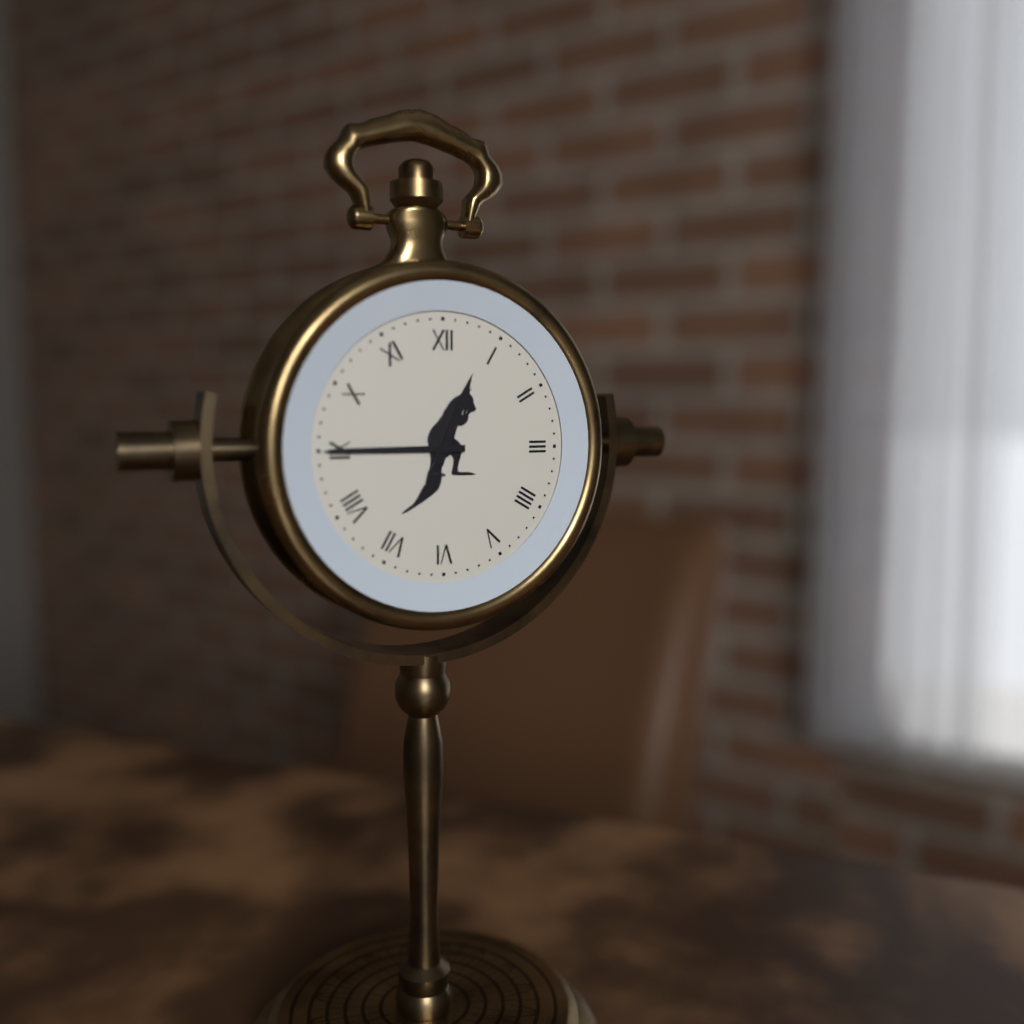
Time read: **12:45**
